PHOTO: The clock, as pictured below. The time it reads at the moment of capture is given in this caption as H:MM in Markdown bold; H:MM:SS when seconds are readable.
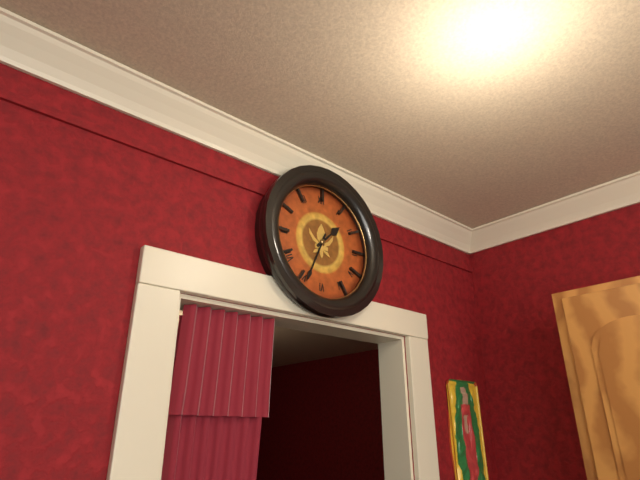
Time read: **1:34**
